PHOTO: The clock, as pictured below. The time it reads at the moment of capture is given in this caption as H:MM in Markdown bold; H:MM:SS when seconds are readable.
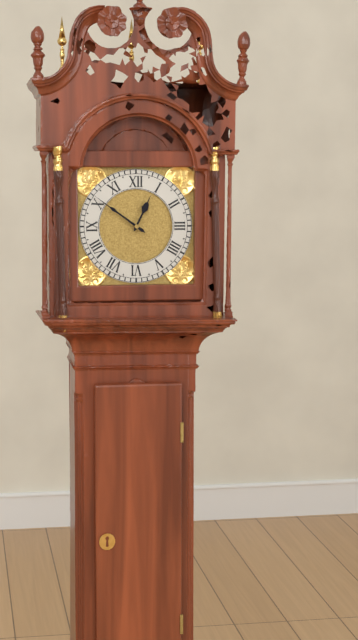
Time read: **12:51**
